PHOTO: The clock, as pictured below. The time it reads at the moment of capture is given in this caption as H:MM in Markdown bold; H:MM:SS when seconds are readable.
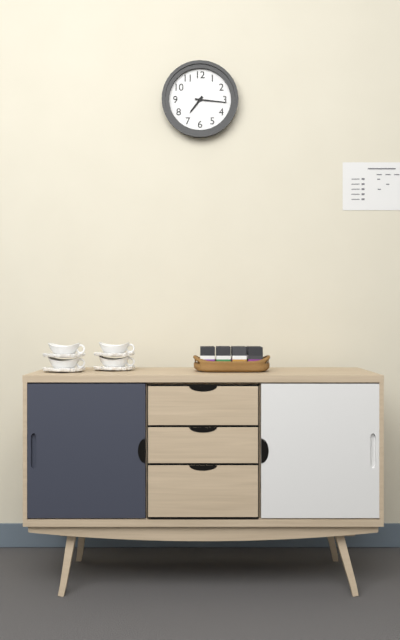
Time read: **7:16**
